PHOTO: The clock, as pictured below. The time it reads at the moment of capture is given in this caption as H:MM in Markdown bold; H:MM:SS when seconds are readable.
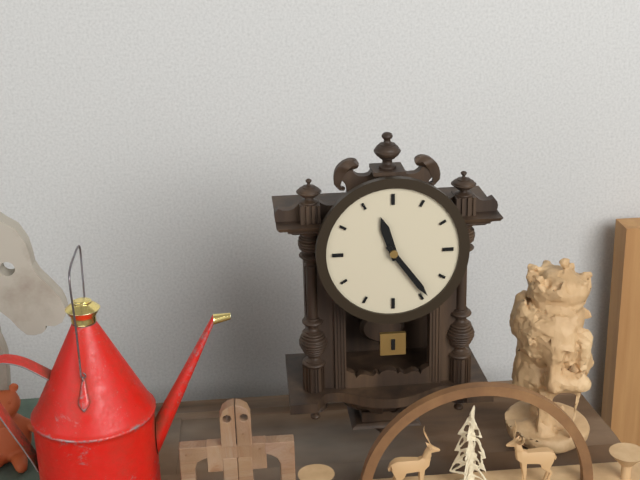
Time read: **11:24**
